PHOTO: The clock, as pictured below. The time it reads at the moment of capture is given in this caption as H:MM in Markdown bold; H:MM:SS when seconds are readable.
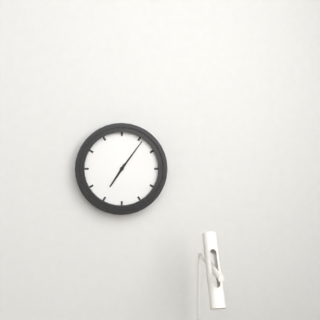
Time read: **7:06**
